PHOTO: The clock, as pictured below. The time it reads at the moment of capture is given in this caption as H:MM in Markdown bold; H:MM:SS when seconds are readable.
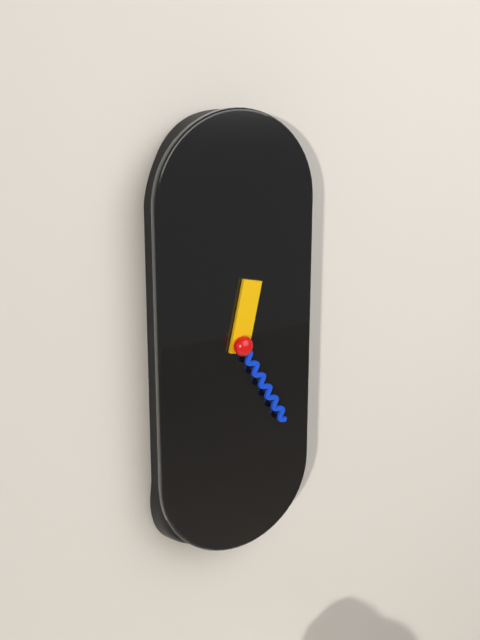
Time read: **12:25**
